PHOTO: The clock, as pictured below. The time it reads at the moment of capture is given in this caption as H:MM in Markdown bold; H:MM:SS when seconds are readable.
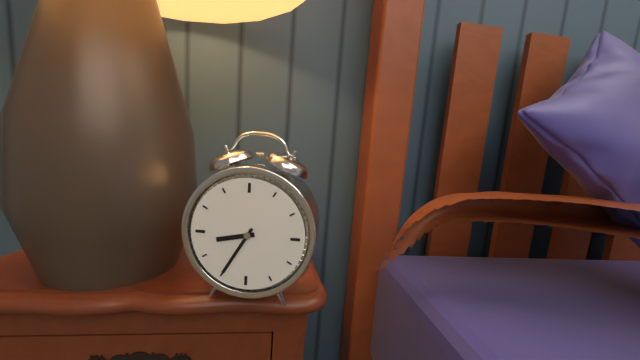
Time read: **8:35**
